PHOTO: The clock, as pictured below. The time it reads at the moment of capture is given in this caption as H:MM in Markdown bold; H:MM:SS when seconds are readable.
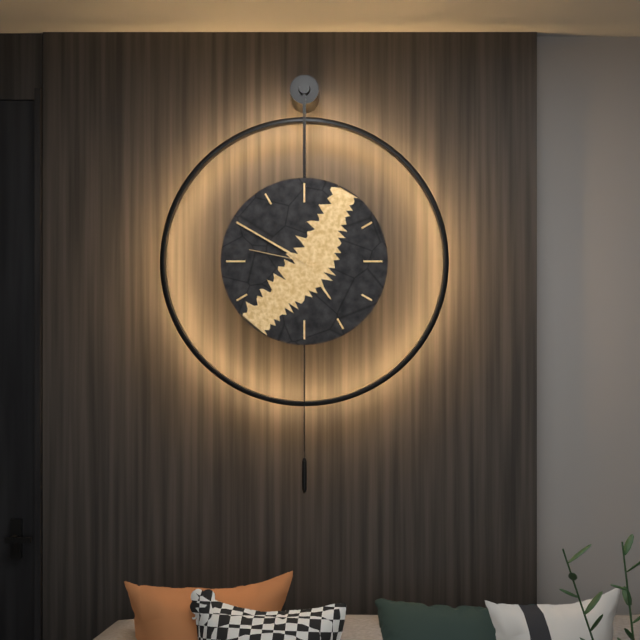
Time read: **4:50:47**
